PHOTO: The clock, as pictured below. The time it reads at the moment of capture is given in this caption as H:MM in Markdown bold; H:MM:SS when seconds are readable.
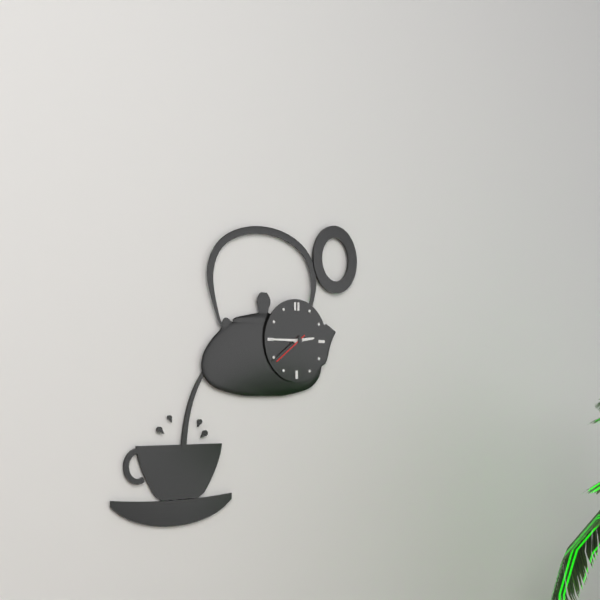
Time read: **2:45**
